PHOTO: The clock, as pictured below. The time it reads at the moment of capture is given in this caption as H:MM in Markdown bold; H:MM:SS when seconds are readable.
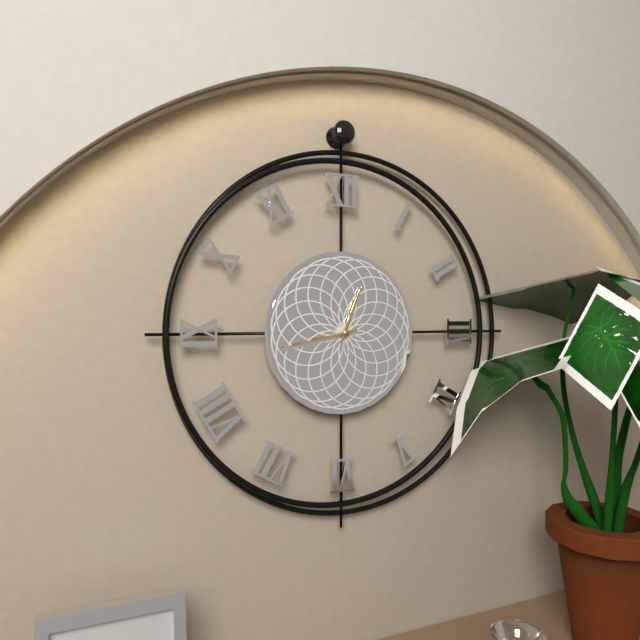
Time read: **12:43**
